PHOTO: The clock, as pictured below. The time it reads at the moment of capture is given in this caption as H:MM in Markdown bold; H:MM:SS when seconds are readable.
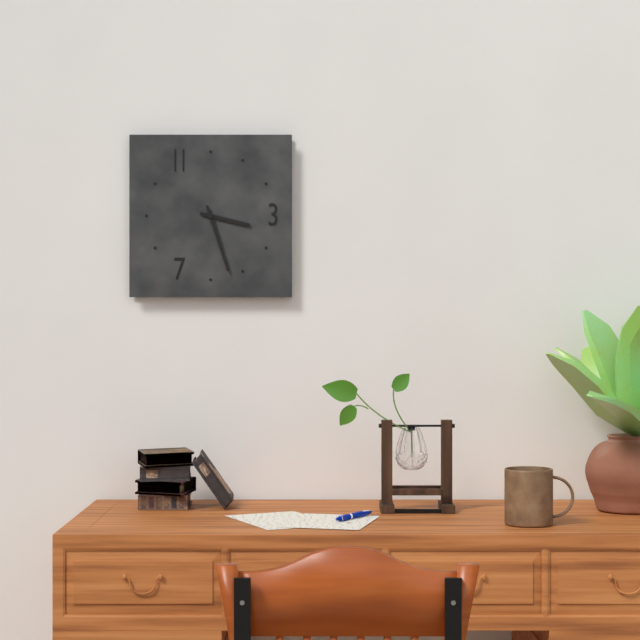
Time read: **3:27**
